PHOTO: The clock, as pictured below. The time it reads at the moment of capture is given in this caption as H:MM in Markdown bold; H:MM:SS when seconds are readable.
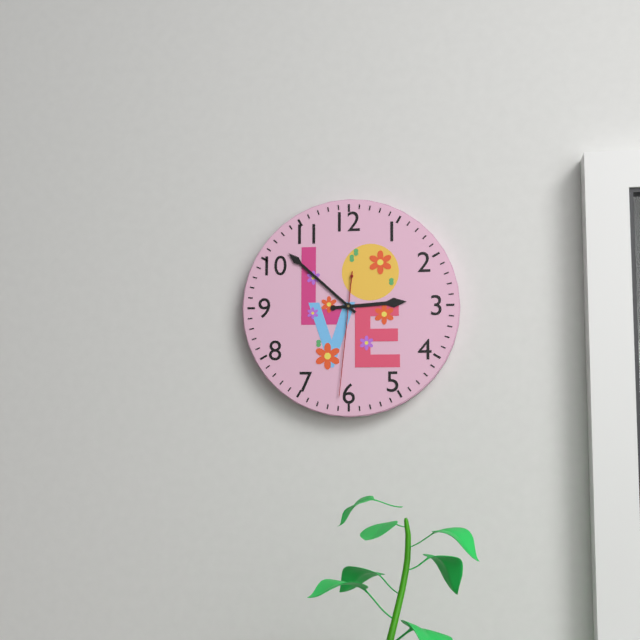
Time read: **2:52:31**
